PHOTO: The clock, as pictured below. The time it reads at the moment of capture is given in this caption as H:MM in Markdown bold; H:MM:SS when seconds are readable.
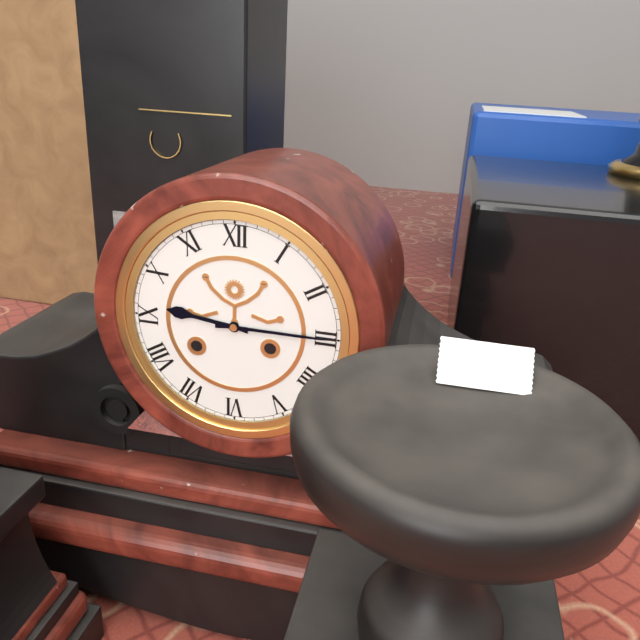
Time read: **9:15**
